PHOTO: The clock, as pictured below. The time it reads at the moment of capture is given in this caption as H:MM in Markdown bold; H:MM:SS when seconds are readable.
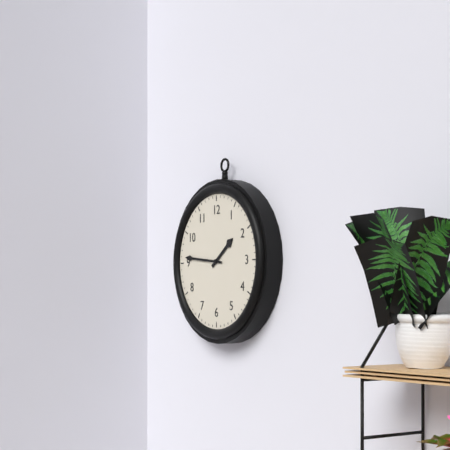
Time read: **1:46**
